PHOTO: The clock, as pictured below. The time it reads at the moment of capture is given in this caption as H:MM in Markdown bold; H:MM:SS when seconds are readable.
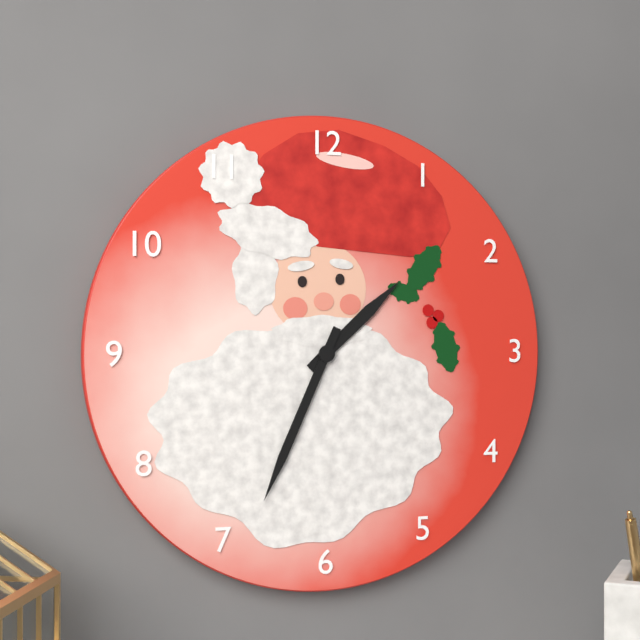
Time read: **1:34**
